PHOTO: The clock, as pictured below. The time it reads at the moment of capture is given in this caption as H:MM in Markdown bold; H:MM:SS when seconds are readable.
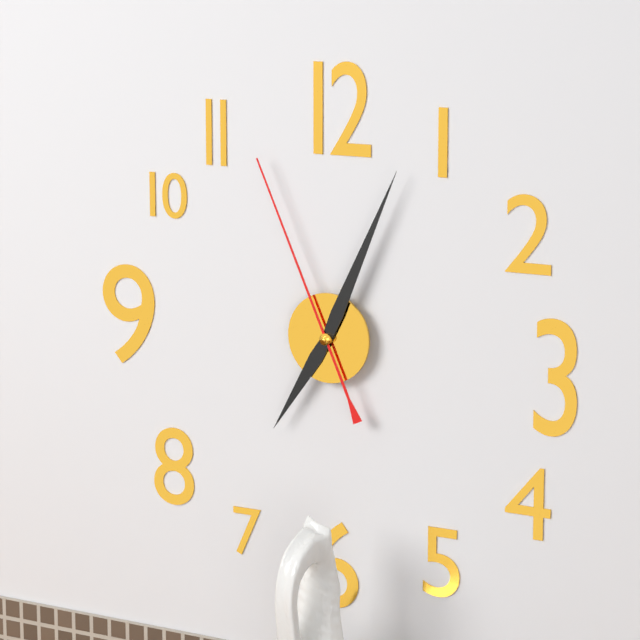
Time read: **7:04:56**
